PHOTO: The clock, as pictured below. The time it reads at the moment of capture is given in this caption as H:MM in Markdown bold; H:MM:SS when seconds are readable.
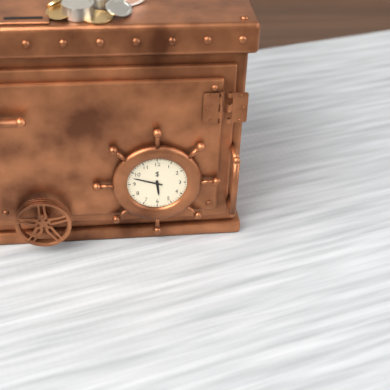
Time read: **5:48**
